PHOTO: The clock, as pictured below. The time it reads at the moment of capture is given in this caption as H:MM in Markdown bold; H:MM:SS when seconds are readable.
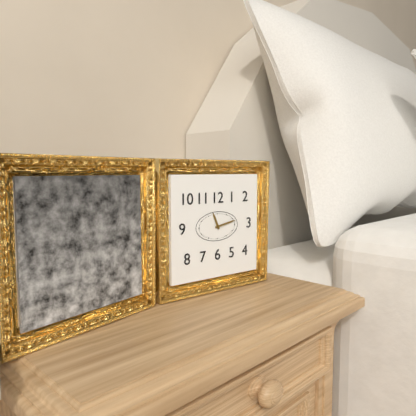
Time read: **11:13**
